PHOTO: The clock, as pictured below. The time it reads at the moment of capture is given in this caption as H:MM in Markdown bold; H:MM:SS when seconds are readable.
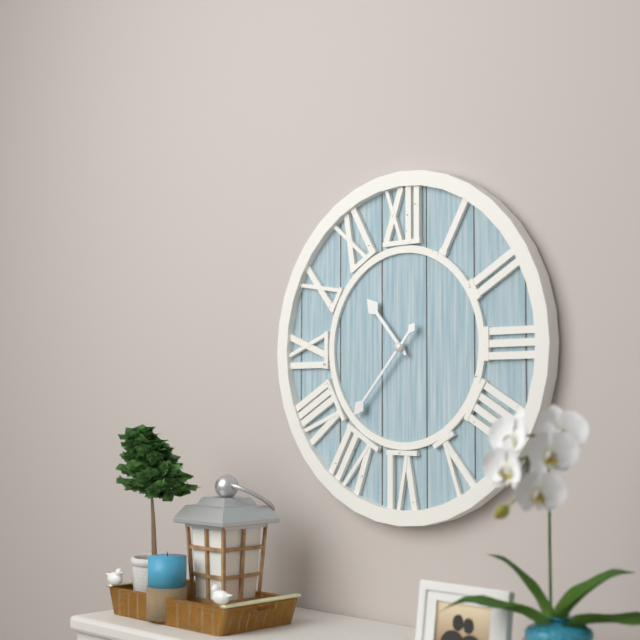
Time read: **10:37**
